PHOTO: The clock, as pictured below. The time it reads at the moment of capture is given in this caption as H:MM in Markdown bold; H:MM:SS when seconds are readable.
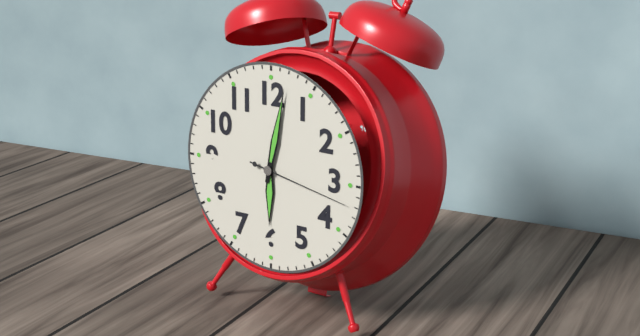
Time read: **6:02:17**
